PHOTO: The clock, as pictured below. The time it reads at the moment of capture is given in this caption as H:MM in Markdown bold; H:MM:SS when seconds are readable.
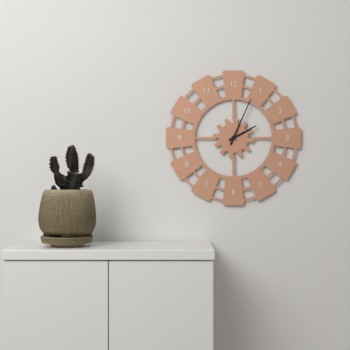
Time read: **2:04**
